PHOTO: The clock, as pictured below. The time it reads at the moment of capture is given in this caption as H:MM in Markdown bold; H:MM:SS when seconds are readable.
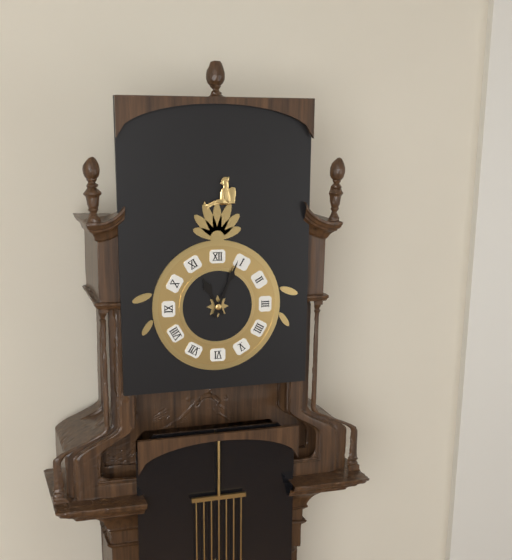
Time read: **11:04**
